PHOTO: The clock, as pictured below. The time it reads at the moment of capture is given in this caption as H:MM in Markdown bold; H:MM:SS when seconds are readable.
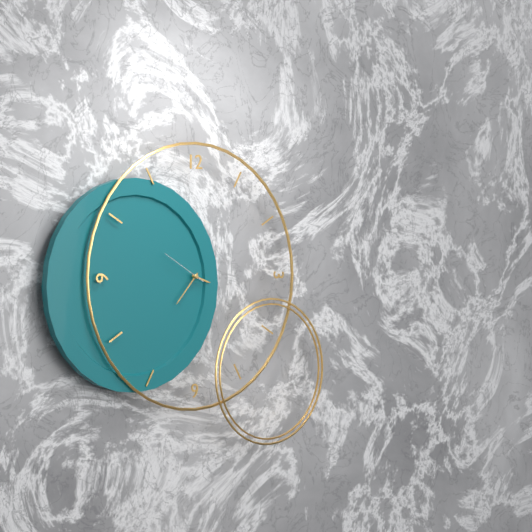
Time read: **3:37:50**
